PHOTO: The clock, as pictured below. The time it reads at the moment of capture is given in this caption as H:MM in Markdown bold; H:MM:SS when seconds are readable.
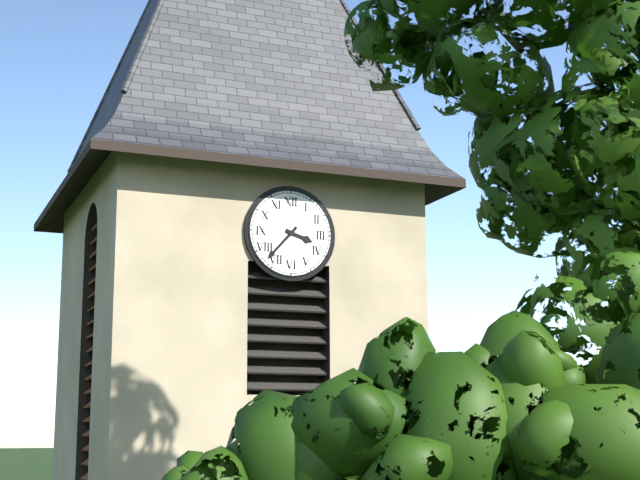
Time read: **3:37**
